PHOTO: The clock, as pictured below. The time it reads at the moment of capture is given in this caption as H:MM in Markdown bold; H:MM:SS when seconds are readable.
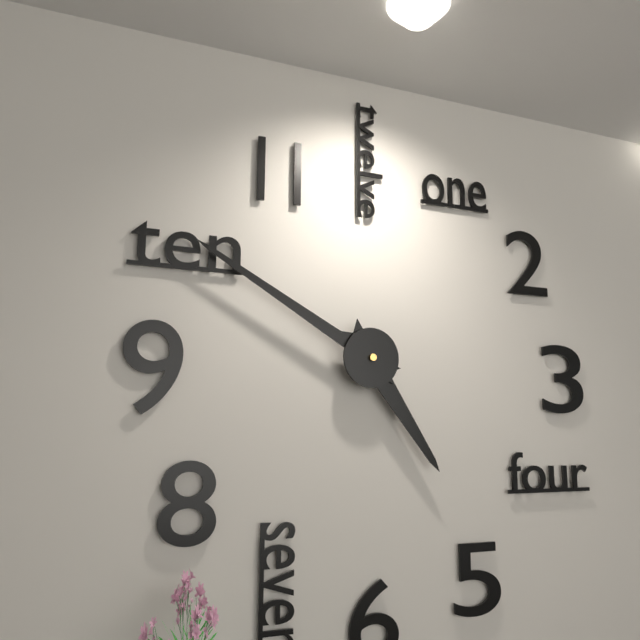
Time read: **4:50**
